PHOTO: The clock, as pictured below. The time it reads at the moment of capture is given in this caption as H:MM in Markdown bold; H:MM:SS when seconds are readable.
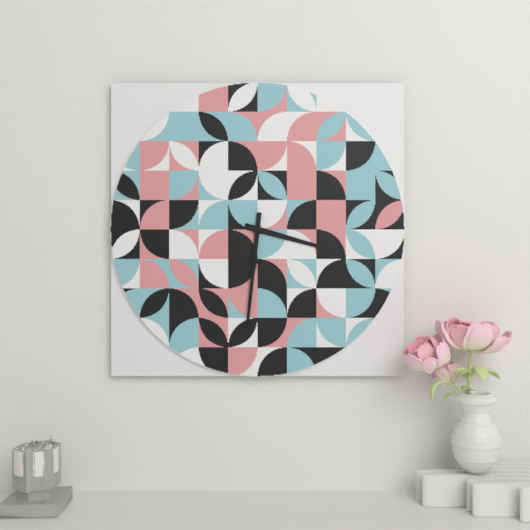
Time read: **3:31**
